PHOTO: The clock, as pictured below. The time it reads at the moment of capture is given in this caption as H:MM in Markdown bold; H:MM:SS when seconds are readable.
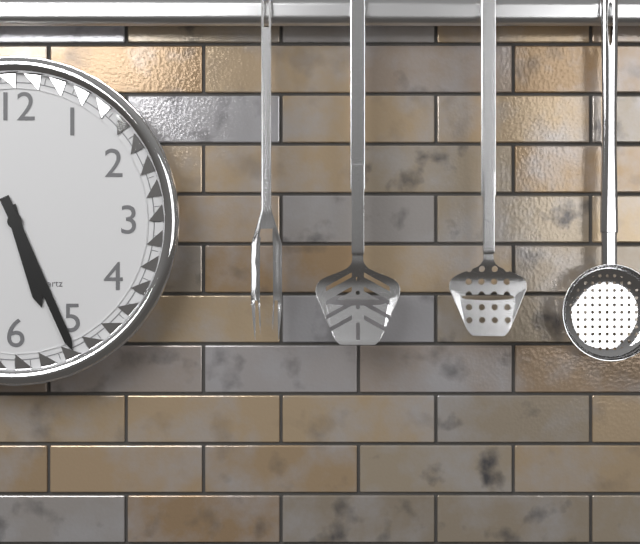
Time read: **5:26**
